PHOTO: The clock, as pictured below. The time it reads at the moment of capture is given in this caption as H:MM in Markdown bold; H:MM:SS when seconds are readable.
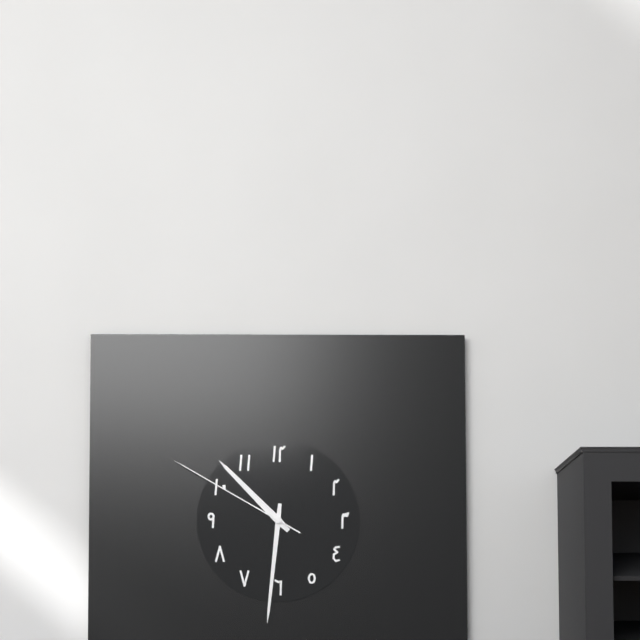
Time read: **10:31:50**
